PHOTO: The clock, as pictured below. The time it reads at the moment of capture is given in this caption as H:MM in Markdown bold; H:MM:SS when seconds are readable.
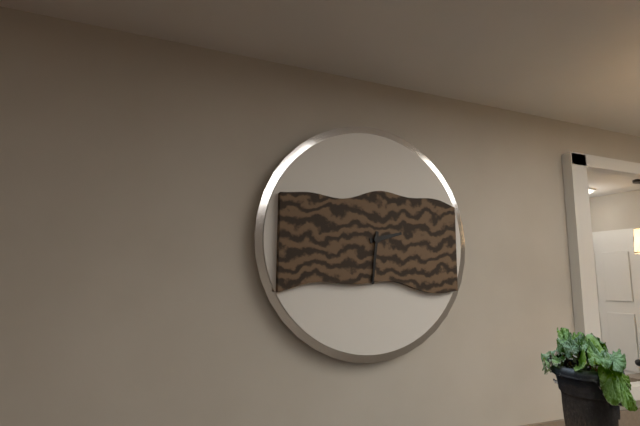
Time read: **2:31**
